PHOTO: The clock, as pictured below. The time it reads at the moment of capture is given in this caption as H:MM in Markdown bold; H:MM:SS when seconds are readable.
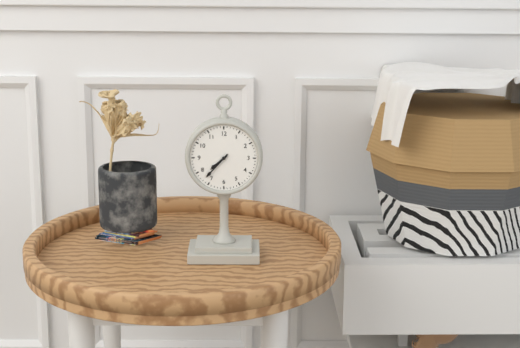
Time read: **7:37**
